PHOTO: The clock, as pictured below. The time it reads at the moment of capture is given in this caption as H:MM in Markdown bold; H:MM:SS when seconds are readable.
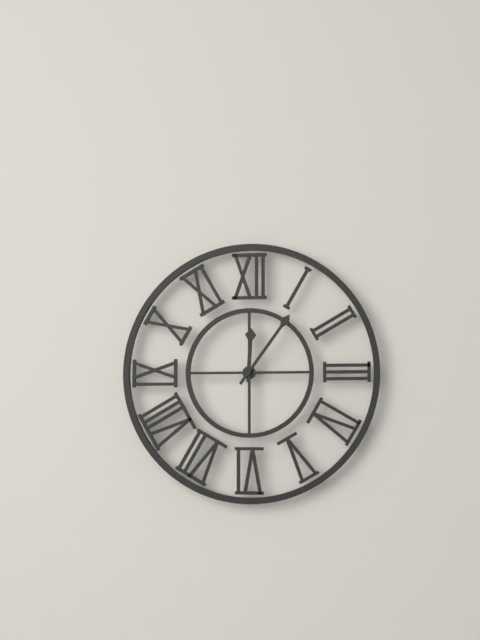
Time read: **12:06**
